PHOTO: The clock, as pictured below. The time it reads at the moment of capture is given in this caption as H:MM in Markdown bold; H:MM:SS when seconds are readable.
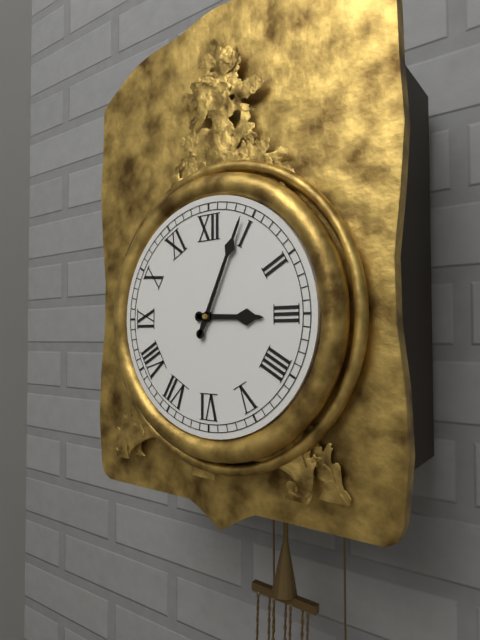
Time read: **3:04**
